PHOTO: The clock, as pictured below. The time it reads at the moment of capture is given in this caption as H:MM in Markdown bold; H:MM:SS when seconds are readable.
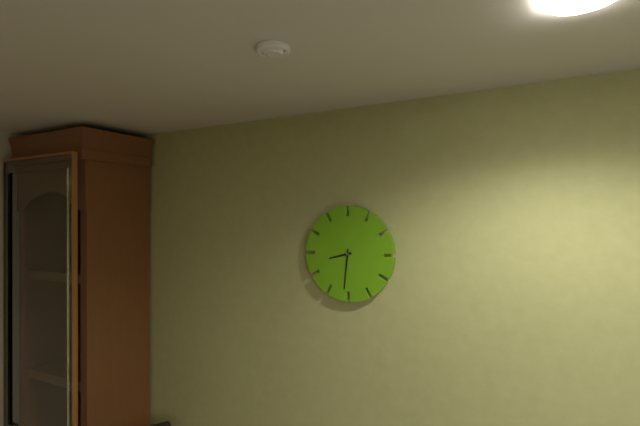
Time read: **8:31**
